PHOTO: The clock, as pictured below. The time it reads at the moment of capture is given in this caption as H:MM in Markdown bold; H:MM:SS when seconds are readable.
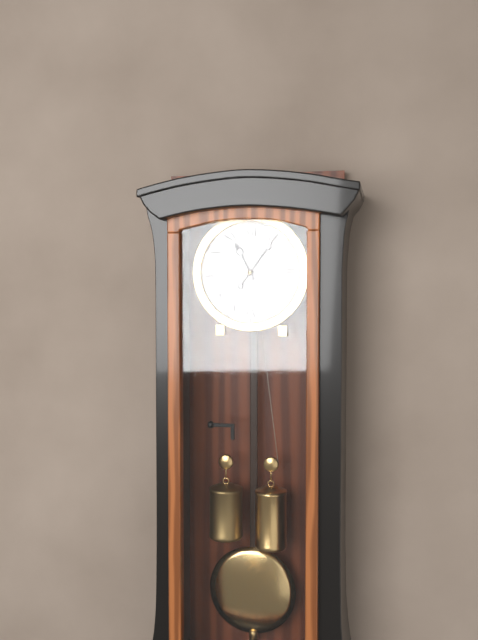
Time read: **11:06**
